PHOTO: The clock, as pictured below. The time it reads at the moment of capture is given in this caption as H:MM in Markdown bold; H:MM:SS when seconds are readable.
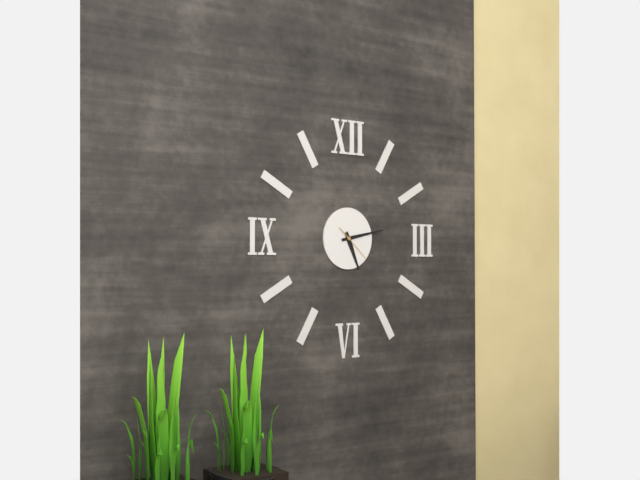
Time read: **5:13**
